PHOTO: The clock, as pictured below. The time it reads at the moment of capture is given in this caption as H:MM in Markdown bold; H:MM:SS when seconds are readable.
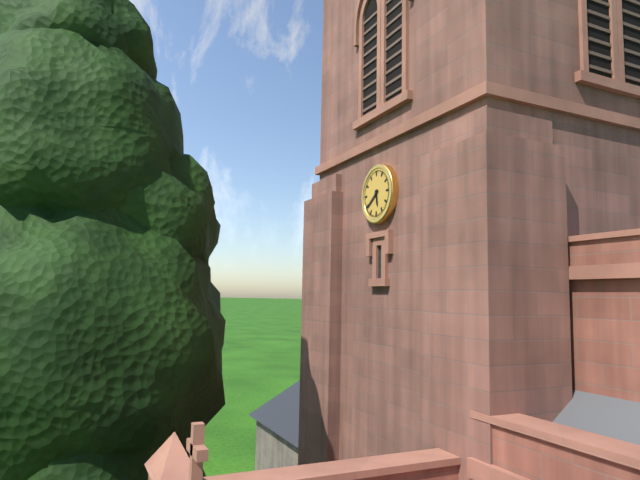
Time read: **5:39**
